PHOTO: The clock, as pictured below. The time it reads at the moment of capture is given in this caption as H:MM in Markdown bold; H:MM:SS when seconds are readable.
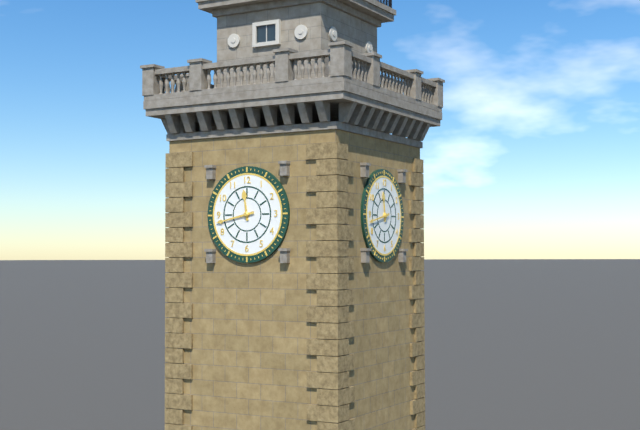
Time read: **11:43**
